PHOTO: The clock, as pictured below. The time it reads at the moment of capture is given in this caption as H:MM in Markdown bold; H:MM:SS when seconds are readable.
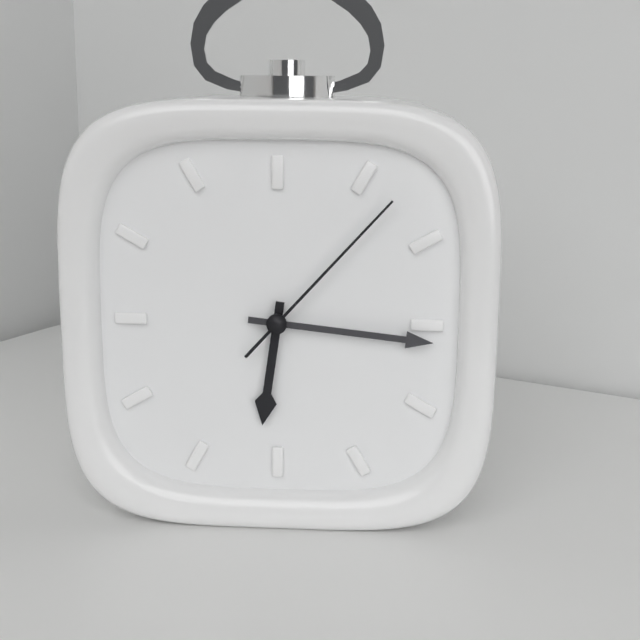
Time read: **6:16:07**
